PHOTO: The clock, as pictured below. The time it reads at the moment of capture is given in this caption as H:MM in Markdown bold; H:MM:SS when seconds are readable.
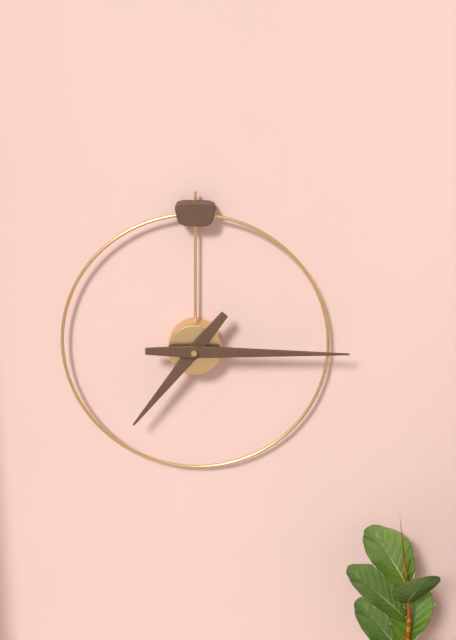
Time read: **7:15**
